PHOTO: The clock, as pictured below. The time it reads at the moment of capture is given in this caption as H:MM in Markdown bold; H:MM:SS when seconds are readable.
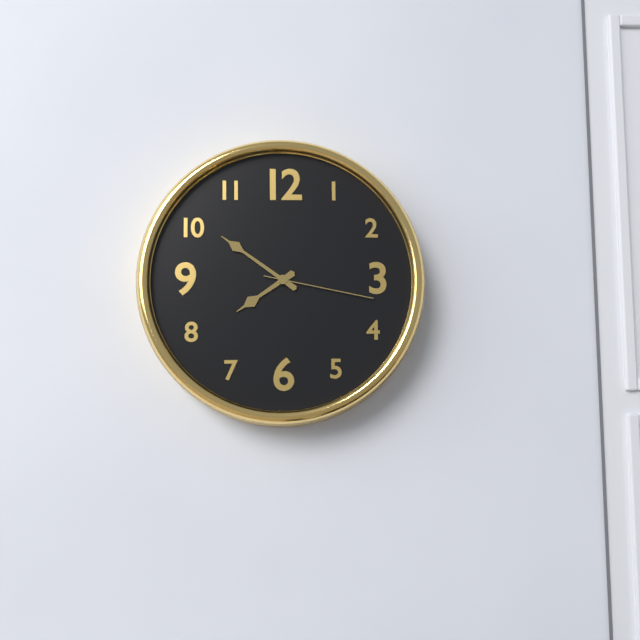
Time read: **7:51:17**
